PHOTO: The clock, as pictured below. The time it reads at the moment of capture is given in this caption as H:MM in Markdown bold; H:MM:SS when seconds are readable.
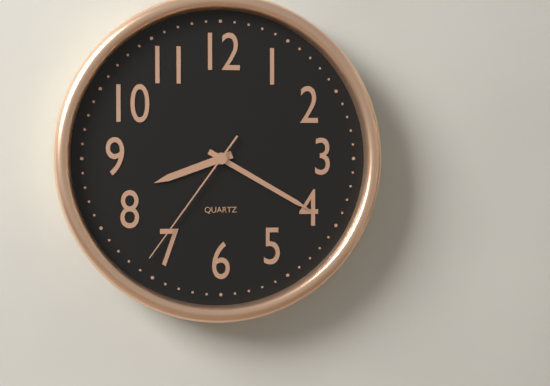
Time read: **8:20:36**
